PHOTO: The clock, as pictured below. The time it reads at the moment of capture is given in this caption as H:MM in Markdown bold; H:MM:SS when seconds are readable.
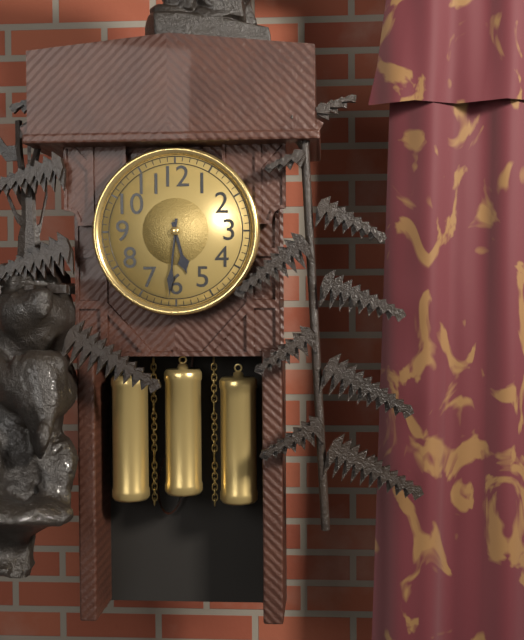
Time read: **5:31**
